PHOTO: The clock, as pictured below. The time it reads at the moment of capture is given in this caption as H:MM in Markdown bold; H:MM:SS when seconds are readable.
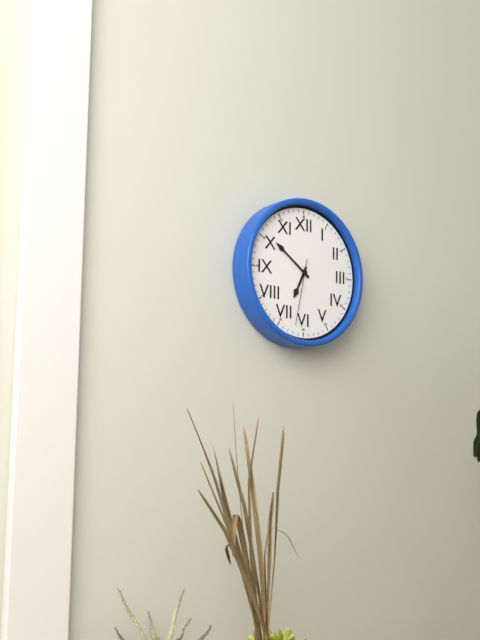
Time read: **6:51:32**
